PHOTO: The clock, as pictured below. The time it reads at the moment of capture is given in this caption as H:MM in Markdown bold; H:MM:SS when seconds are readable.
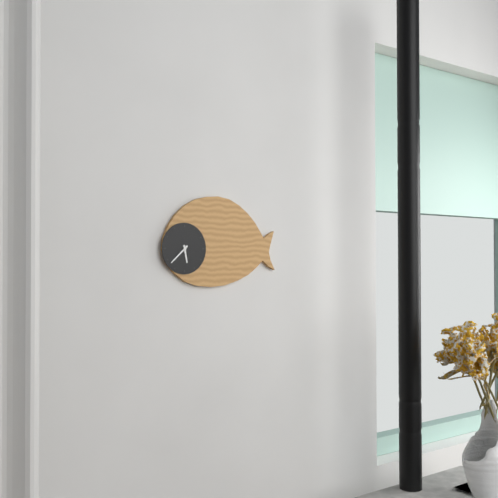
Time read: **5:38**
